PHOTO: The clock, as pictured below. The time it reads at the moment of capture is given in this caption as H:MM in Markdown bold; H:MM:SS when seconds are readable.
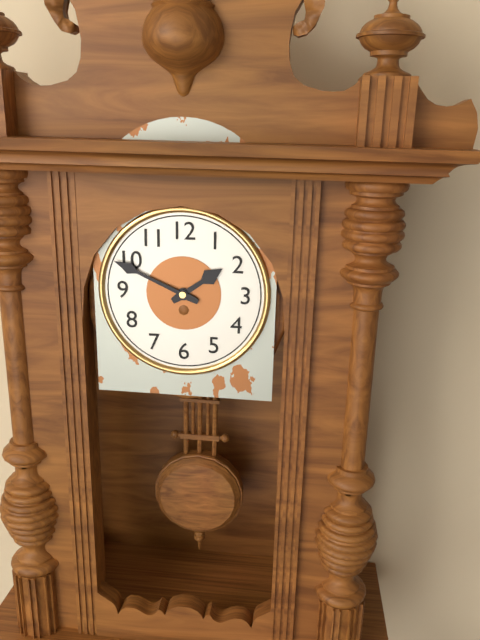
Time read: **1:49**
